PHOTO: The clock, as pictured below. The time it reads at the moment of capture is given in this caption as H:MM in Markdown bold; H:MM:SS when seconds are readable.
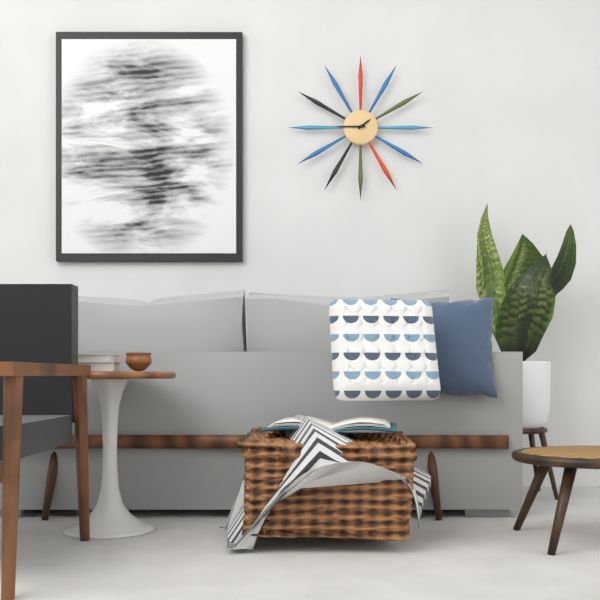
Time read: **1:45**
